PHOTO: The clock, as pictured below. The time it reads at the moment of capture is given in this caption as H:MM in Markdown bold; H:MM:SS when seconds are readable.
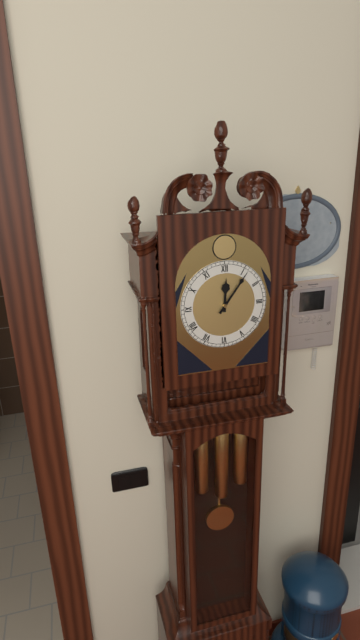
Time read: **12:06**
